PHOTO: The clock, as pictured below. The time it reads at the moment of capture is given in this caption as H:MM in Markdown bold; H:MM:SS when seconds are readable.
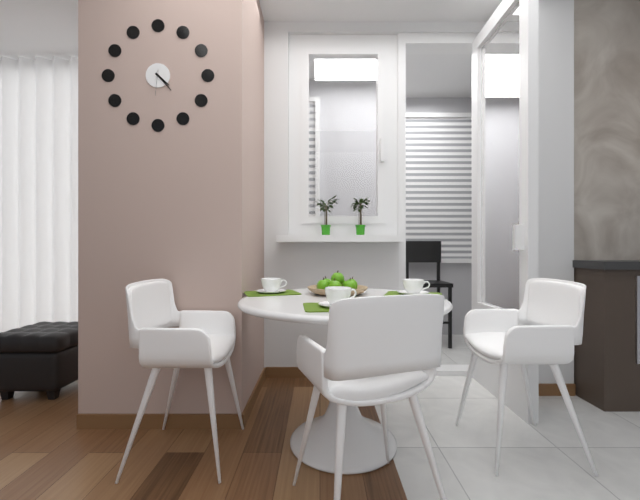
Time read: **4:23**
